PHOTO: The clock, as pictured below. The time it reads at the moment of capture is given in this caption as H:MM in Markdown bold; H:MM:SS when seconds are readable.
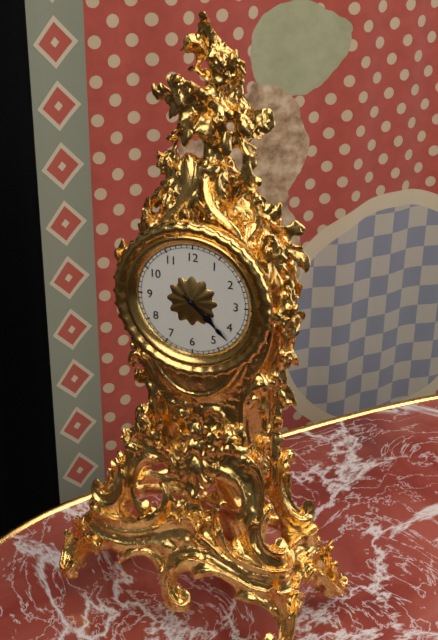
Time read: **4:22**
